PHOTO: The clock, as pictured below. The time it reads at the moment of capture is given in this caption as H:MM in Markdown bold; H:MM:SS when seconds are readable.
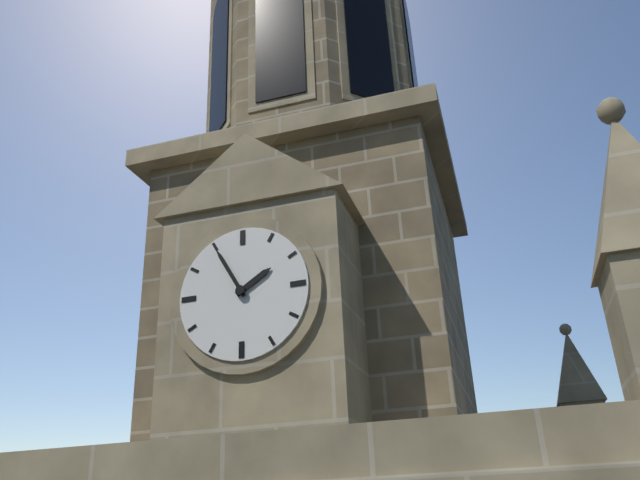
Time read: **1:55**
